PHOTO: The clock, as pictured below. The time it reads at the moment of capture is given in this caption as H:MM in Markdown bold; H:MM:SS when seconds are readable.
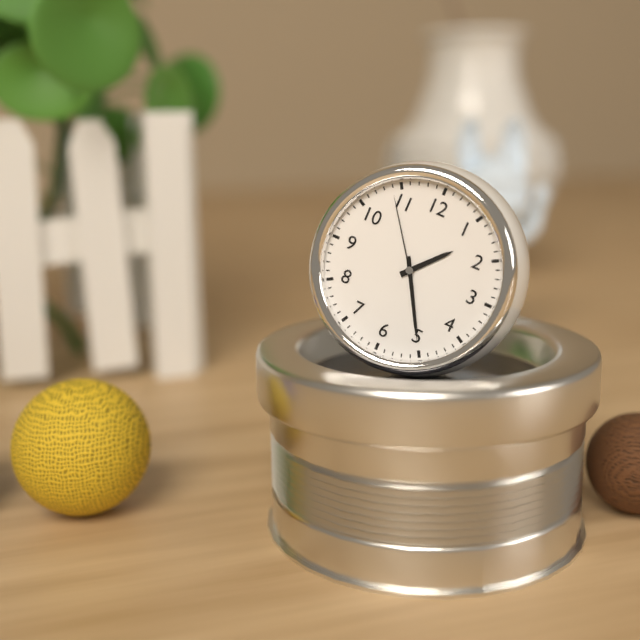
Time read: **1:25:54**
